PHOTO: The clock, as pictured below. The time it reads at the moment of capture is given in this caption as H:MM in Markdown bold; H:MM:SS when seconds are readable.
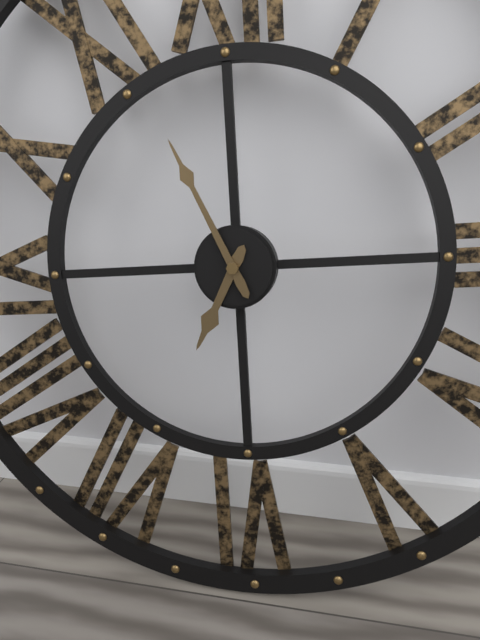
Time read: **6:56**
